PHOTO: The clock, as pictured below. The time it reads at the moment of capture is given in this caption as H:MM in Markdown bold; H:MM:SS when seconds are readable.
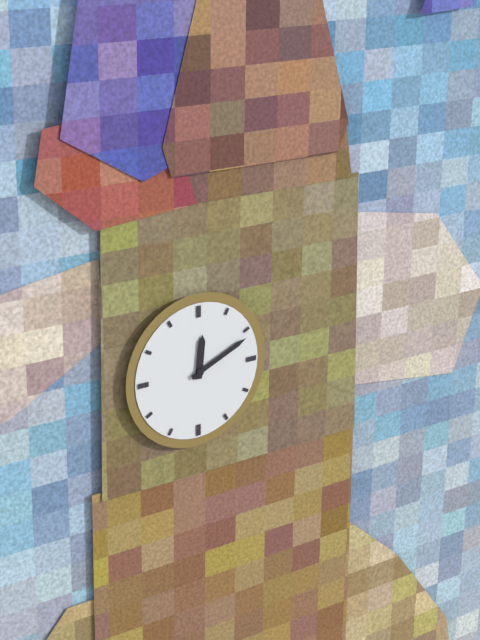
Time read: **12:11**
